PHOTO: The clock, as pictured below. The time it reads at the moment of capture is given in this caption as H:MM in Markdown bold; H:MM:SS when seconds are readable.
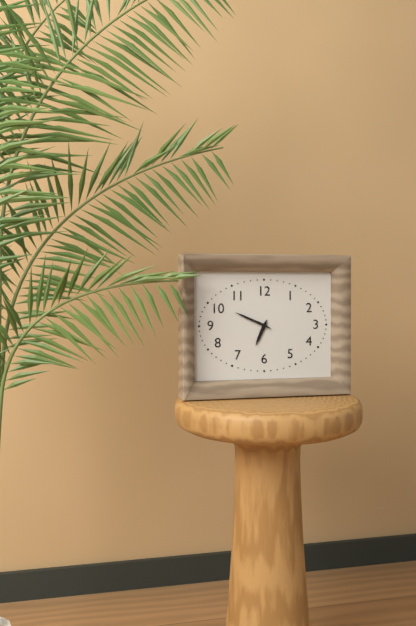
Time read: **6:49**
